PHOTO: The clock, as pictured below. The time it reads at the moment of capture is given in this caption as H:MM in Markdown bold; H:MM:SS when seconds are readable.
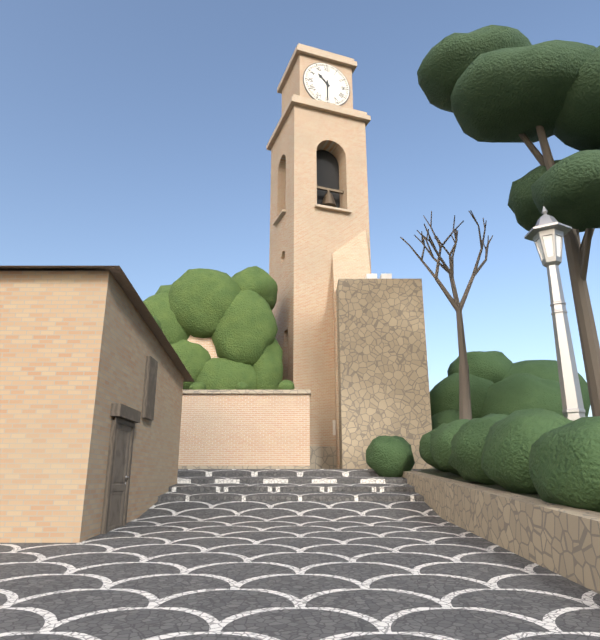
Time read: **10:30**
